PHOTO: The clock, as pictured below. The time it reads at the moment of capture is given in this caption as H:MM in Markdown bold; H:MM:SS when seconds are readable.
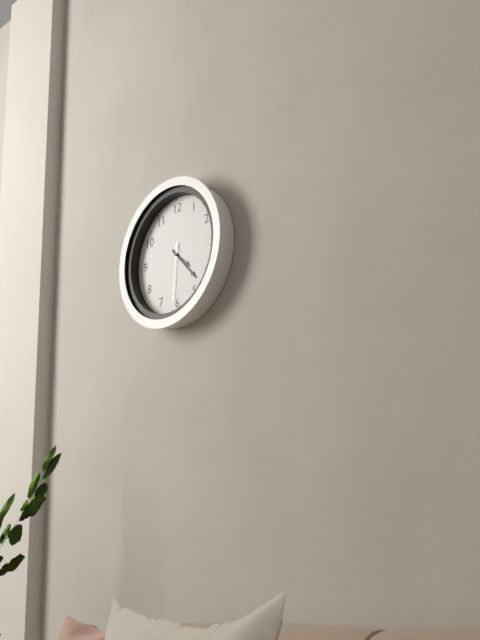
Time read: **4:23:31**
